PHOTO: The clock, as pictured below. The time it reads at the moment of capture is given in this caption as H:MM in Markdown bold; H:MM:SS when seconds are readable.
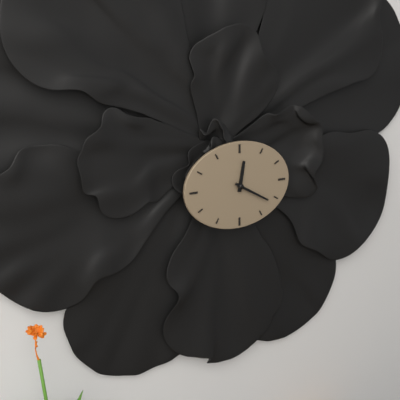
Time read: **12:20**
